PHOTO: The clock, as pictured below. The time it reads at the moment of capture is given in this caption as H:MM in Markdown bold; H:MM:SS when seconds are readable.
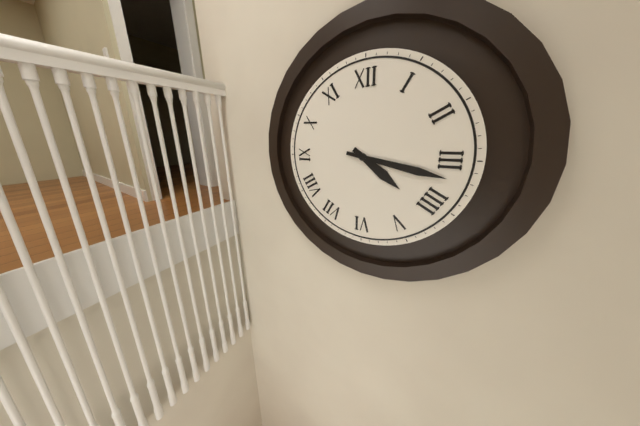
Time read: **4:17**
